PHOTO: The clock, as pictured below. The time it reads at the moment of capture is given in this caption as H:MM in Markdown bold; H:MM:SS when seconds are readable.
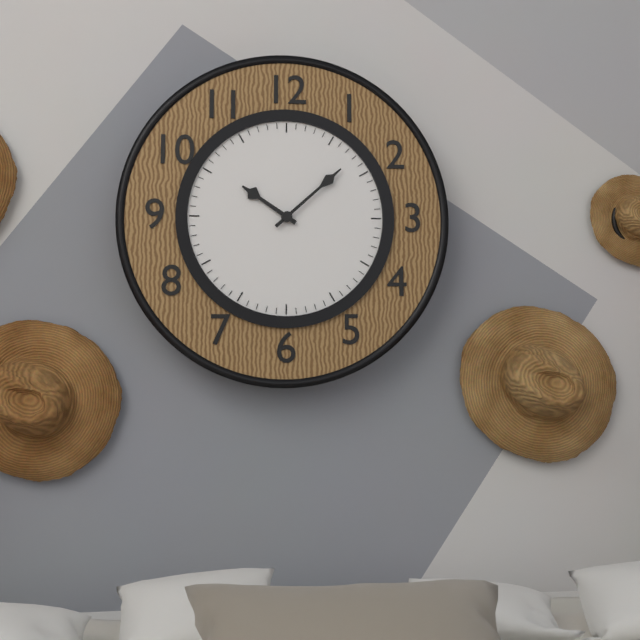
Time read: **10:08**
